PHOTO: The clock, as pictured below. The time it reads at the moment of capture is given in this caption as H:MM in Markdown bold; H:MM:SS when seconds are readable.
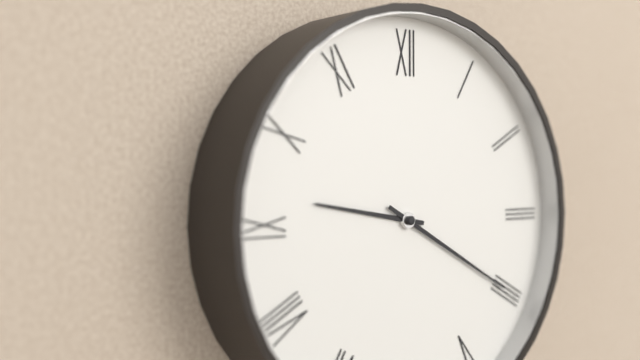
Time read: **9:20**
